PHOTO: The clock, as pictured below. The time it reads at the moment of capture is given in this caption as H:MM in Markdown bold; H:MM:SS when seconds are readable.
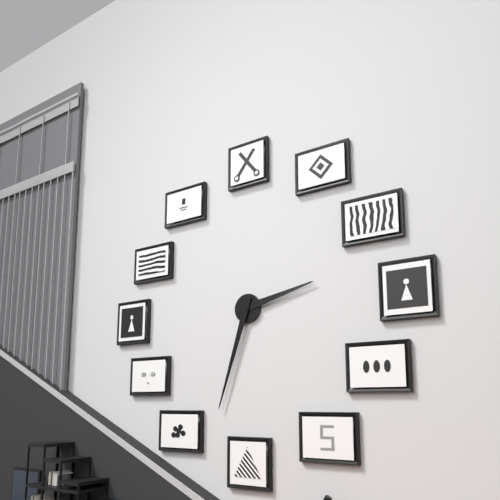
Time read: **2:33**
